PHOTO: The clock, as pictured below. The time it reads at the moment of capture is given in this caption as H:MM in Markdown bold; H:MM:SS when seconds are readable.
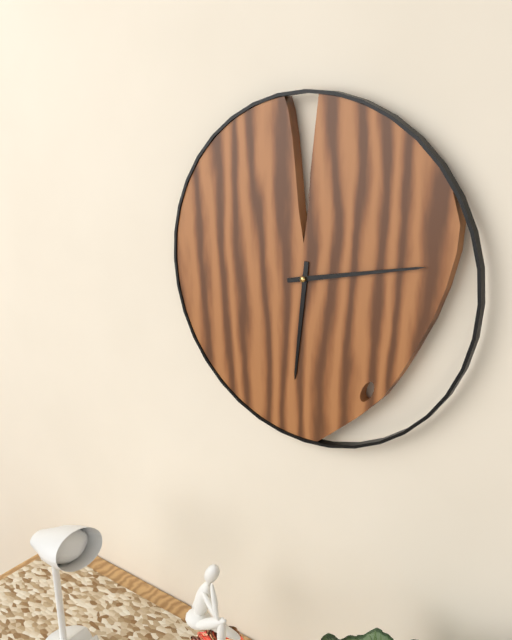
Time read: **6:13**
